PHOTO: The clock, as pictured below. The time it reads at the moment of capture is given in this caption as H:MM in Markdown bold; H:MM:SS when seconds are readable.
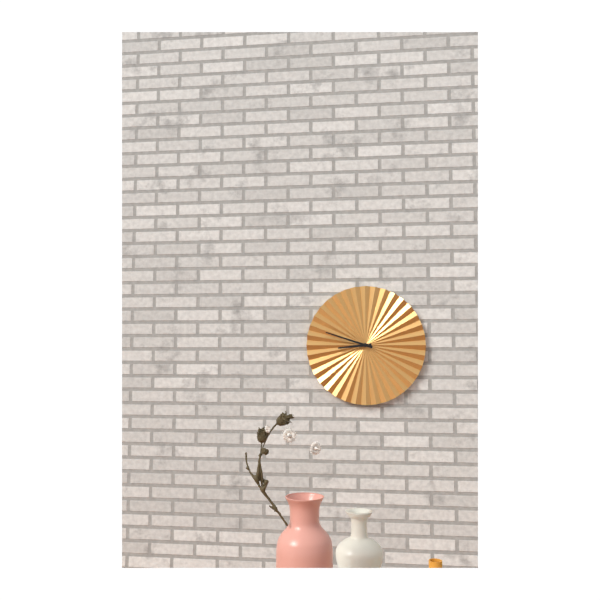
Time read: **8:48**
